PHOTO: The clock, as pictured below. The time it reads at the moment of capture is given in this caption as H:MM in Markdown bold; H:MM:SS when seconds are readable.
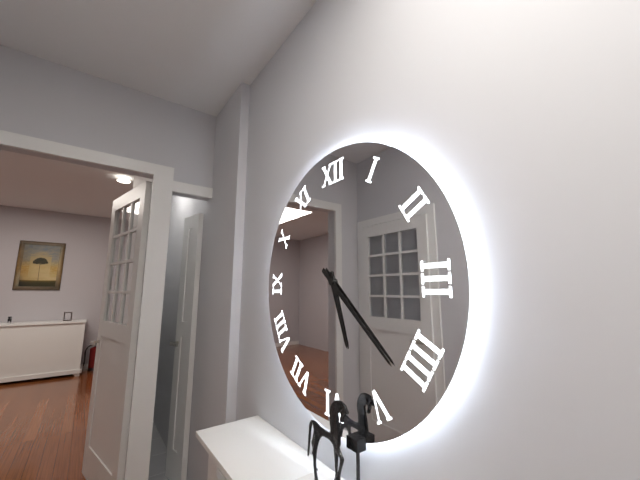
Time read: **5:22**
